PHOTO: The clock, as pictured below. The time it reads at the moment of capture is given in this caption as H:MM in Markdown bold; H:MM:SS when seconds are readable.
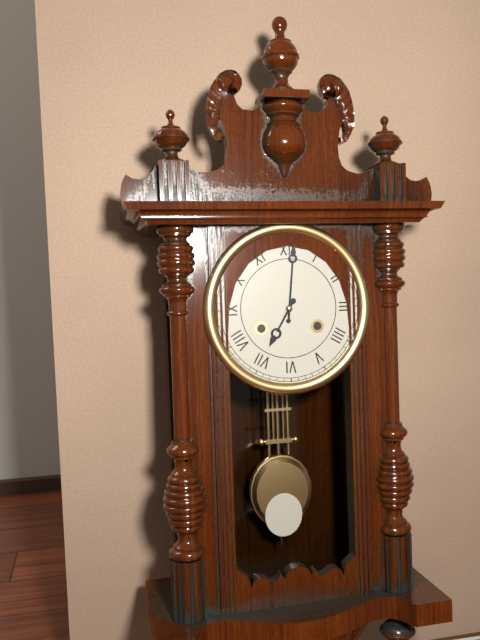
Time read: **7:01**
